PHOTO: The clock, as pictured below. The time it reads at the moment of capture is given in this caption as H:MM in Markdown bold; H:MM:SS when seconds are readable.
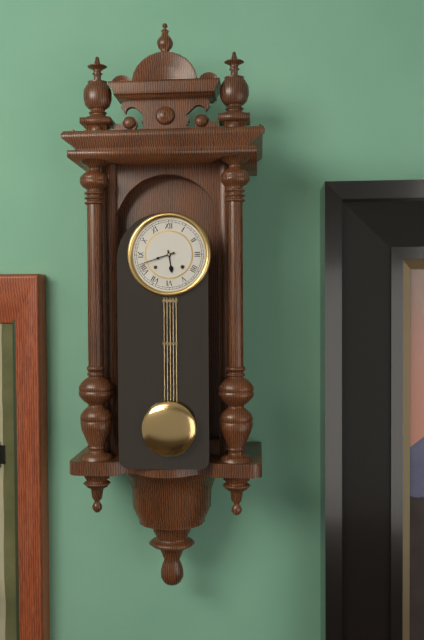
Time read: **5:42**
